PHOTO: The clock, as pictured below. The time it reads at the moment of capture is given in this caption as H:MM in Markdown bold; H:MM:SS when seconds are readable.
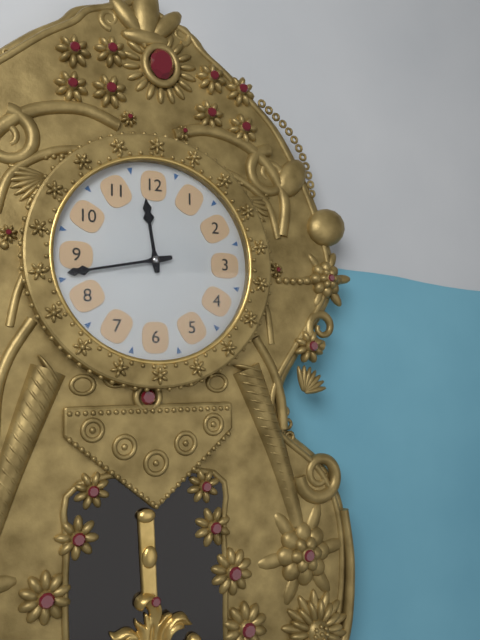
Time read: **11:43**
